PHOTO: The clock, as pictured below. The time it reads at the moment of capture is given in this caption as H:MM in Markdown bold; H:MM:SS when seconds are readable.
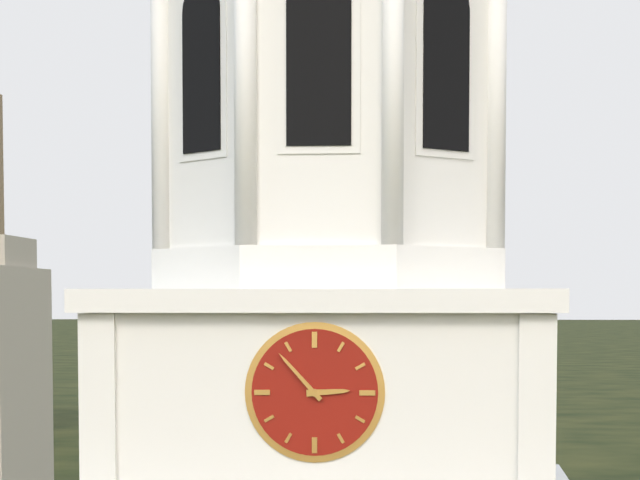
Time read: **2:53**
